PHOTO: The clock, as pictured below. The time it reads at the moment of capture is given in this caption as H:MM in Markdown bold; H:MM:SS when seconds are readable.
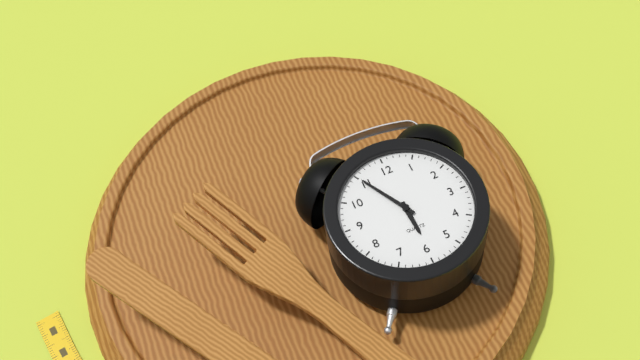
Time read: **5:55**
